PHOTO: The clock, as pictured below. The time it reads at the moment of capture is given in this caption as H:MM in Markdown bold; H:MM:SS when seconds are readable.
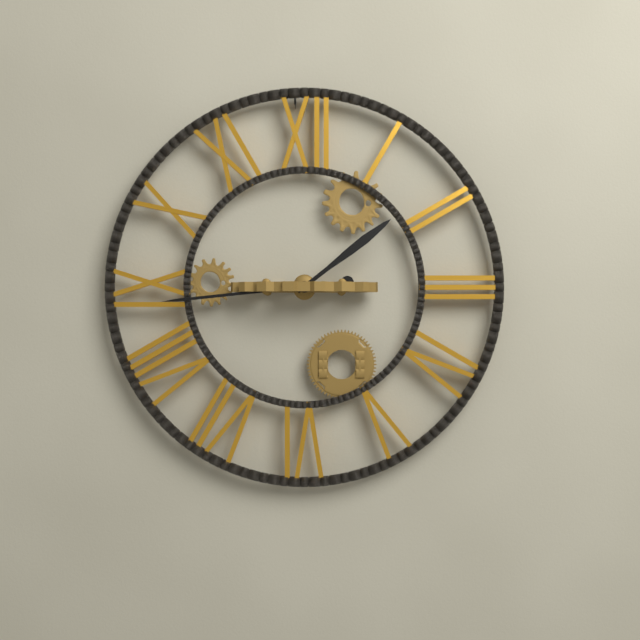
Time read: **1:44**
